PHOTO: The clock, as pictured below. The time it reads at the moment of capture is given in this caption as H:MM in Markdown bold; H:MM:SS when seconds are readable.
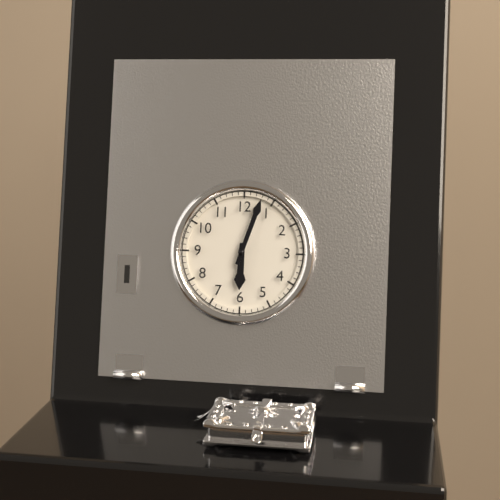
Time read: **6:03**
